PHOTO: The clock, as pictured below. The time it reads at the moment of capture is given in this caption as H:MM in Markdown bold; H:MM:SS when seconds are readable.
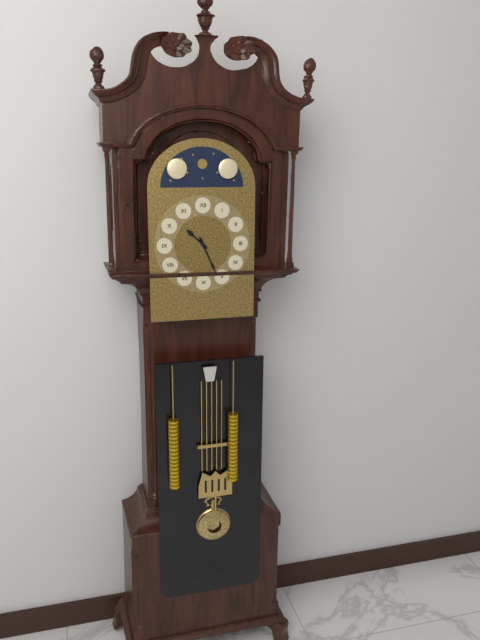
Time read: **10:26**
